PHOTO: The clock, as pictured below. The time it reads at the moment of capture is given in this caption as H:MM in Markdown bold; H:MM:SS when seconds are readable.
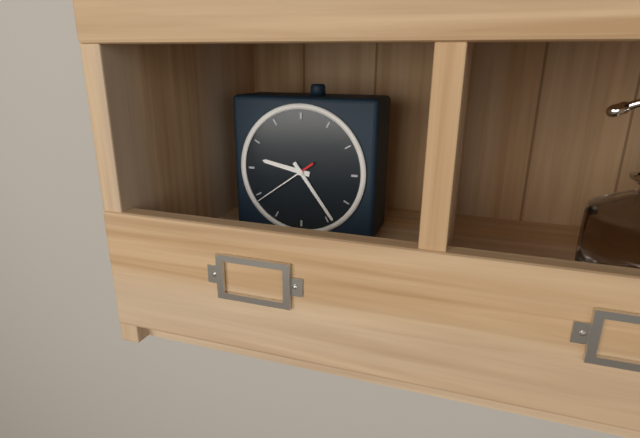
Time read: **9:24:39**
